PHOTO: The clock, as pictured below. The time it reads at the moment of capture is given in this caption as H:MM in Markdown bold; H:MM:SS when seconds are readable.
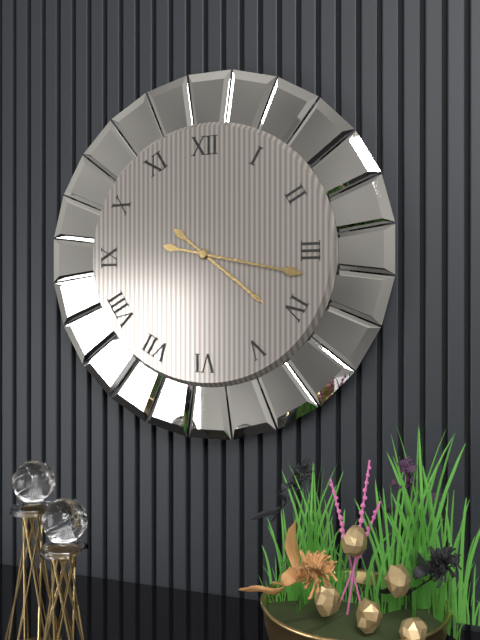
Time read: **4:17**
